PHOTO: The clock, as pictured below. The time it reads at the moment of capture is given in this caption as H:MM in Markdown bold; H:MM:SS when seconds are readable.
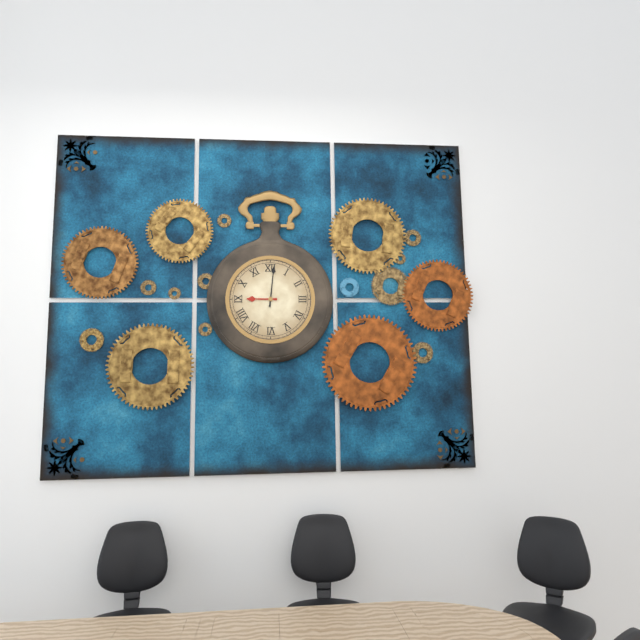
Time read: **9:01**
